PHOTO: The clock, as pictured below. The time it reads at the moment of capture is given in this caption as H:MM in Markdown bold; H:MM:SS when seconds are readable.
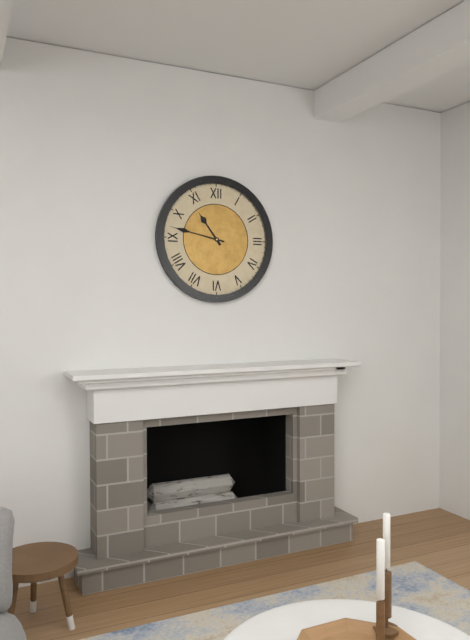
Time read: **10:47**
